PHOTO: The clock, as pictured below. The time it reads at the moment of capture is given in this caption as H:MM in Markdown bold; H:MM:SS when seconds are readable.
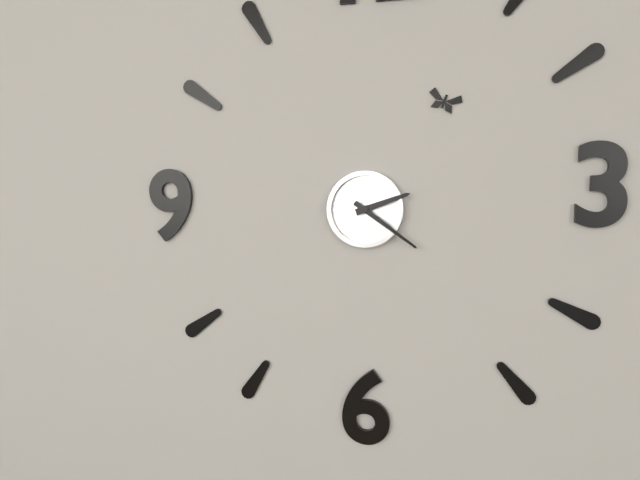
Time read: **2:21**
